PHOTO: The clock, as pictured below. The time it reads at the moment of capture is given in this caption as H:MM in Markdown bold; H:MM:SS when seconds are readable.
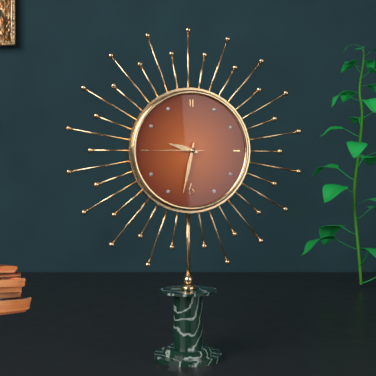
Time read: **9:32:45**
